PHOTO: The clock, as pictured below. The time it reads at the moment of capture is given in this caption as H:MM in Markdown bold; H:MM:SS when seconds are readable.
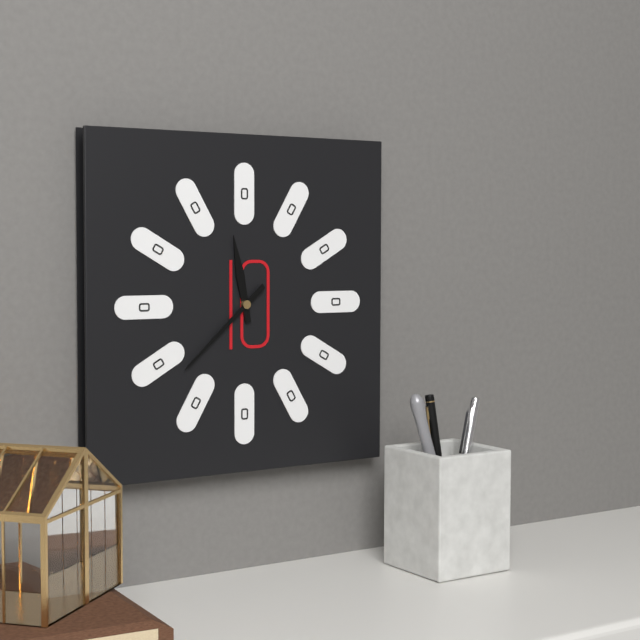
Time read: **11:38**
